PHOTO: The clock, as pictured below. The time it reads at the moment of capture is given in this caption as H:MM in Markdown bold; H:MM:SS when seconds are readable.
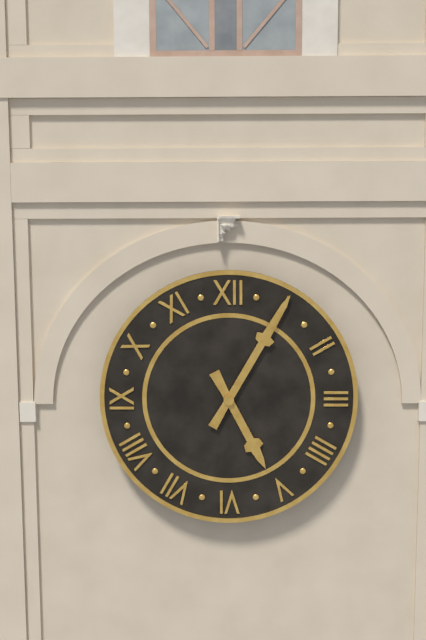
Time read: **5:05**
